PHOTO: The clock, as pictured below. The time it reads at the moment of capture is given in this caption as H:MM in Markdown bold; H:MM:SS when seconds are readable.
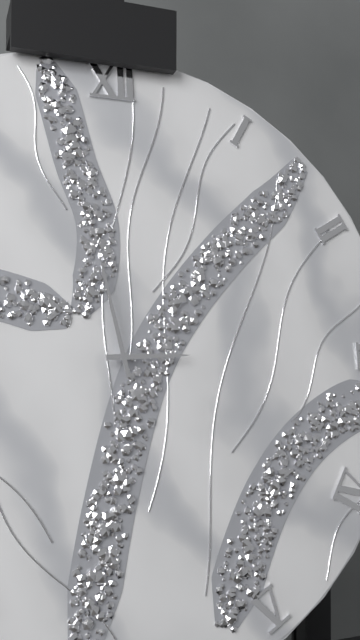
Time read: **2:58**
